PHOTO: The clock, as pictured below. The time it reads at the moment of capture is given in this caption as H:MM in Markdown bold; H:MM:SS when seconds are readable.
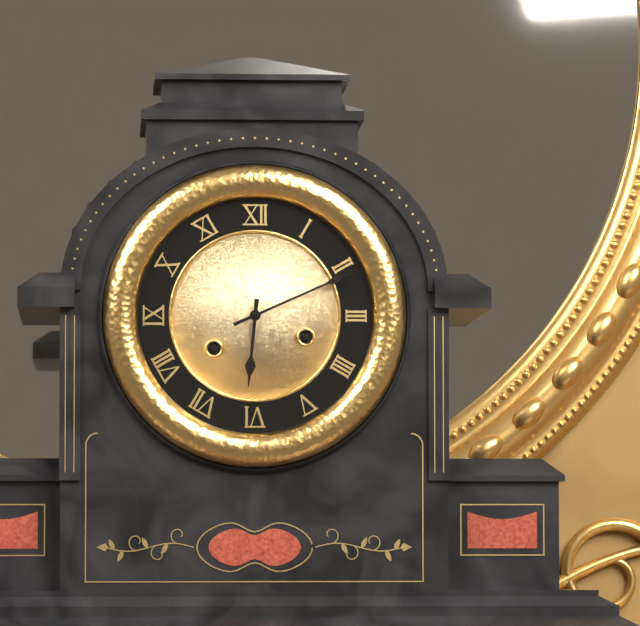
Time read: **6:11**
